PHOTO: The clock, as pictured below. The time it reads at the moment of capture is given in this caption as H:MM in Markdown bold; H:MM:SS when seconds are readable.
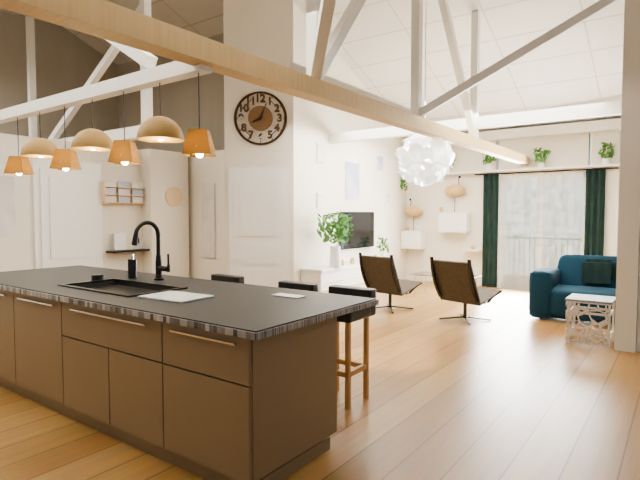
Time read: **8:04**
